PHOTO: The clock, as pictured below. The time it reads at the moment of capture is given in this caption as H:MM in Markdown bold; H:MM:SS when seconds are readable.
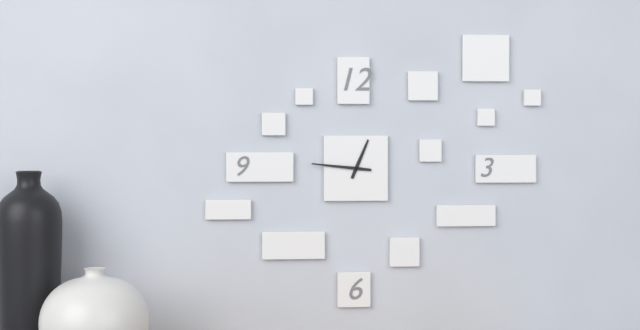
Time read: **12:46**
